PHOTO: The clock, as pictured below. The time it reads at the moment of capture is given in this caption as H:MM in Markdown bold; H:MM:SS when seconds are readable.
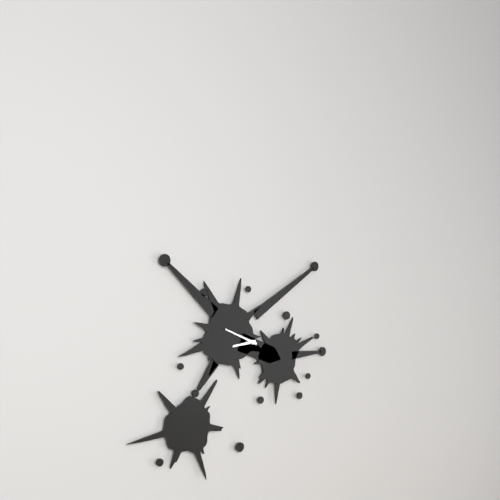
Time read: **8:49**
